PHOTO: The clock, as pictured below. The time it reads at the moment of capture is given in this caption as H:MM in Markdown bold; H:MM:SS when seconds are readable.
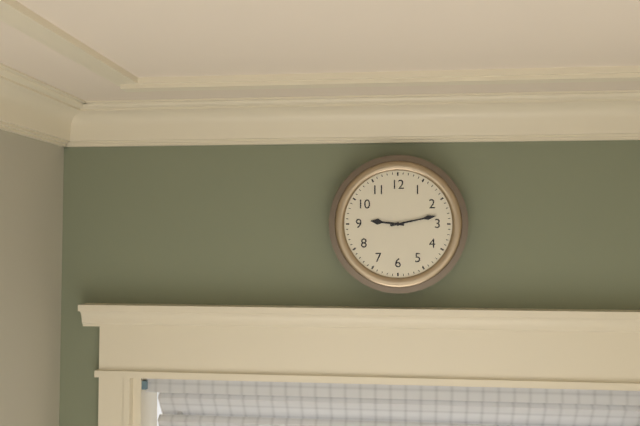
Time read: **9:13**
